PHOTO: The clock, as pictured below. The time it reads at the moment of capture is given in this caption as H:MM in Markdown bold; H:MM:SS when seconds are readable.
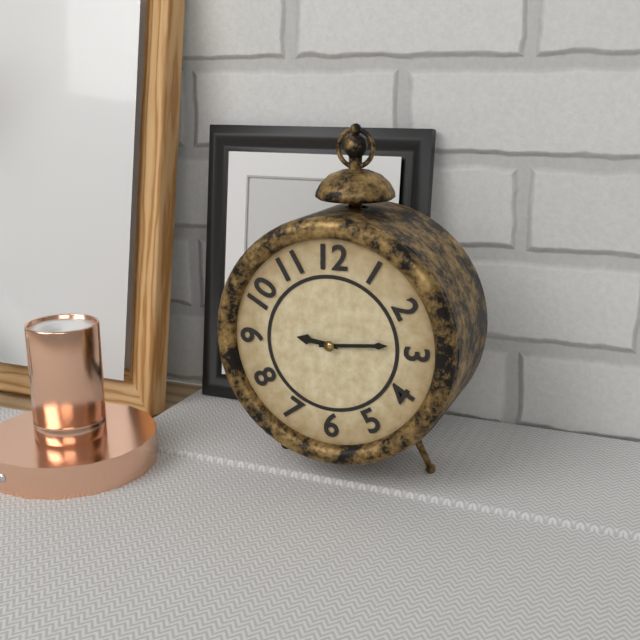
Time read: **9:14**
